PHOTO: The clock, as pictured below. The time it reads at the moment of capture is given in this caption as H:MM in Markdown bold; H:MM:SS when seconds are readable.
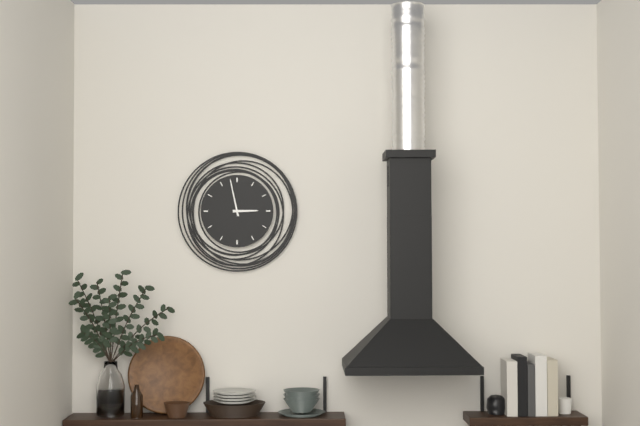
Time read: **2:58**
